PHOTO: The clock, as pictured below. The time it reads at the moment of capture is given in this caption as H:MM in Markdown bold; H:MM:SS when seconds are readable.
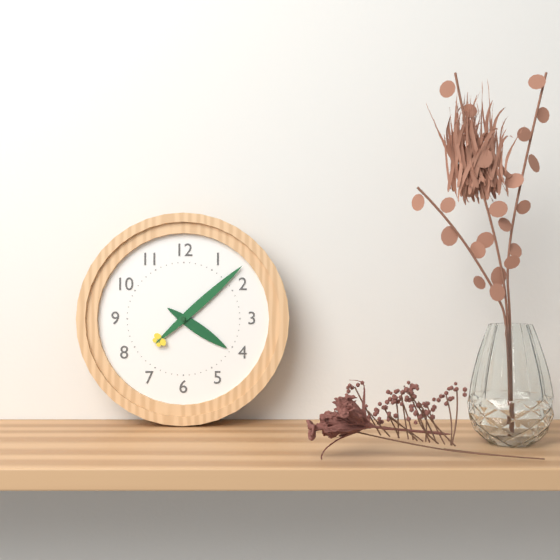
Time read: **4:08**
